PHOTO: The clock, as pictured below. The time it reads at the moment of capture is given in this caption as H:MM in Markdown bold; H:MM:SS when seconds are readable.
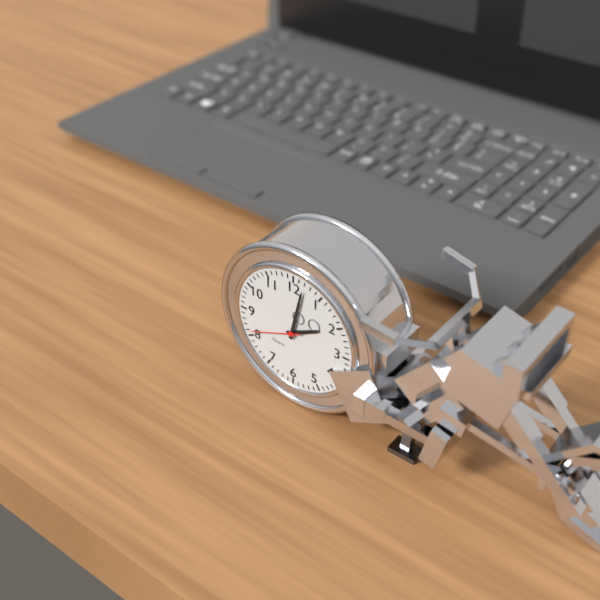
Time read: **2:02:41**
